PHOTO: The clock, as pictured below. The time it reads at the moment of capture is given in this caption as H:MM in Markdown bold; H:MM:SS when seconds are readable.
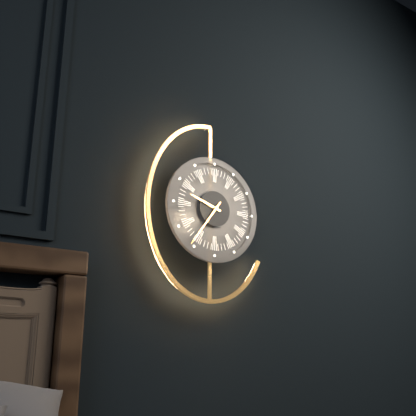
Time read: **9:36**
